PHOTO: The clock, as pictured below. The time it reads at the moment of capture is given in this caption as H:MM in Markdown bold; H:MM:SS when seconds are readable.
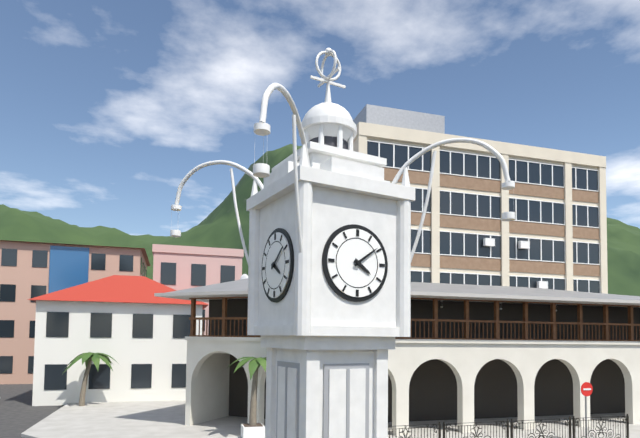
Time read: **4:09**
